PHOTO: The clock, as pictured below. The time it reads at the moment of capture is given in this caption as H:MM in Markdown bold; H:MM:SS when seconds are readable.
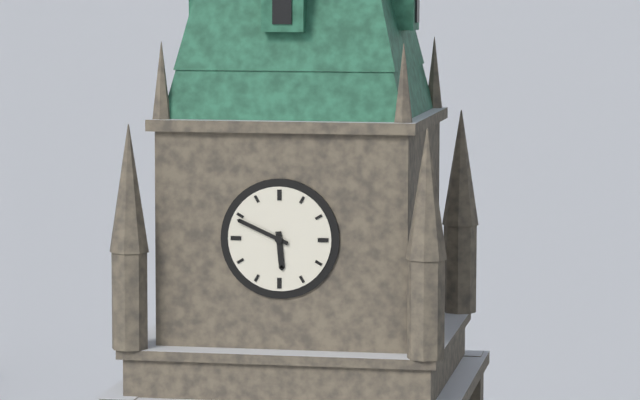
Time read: **5:49**
